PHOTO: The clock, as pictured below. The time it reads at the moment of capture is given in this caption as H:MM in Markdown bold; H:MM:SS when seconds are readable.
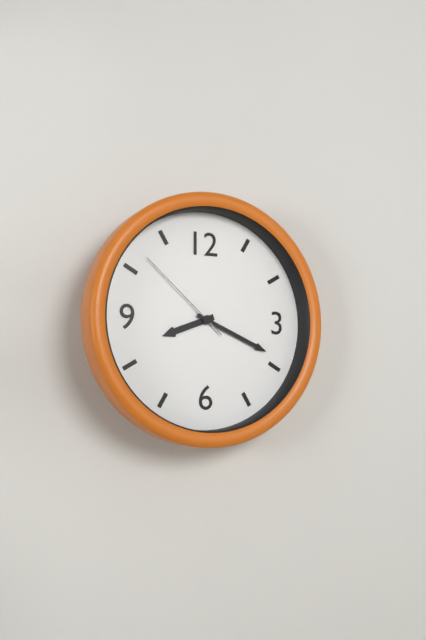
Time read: **8:19:52**
